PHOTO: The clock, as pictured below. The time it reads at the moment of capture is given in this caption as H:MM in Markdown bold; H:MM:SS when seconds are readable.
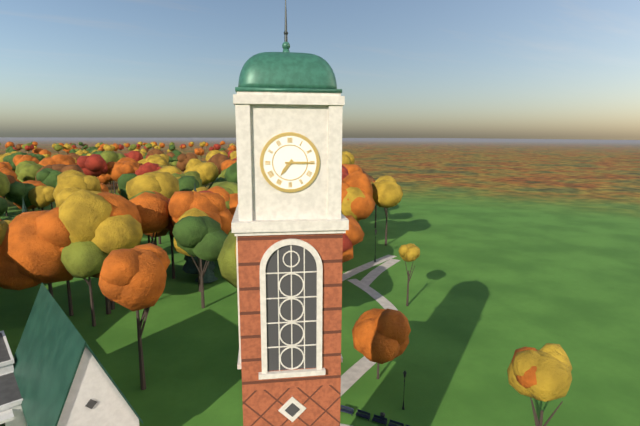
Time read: **7:15**
